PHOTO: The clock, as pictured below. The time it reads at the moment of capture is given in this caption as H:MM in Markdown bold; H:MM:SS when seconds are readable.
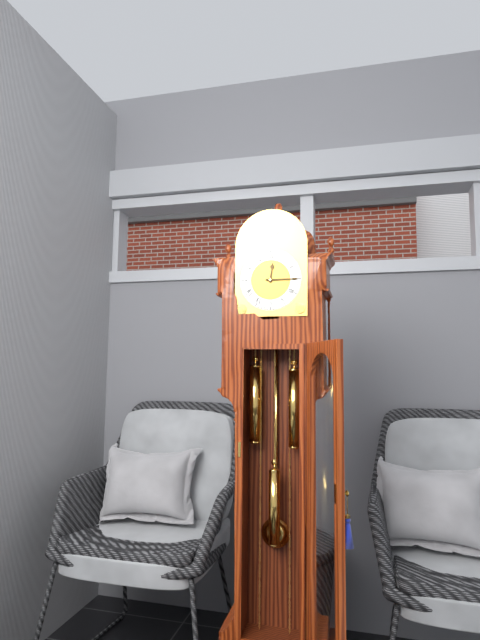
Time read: **12:15**
